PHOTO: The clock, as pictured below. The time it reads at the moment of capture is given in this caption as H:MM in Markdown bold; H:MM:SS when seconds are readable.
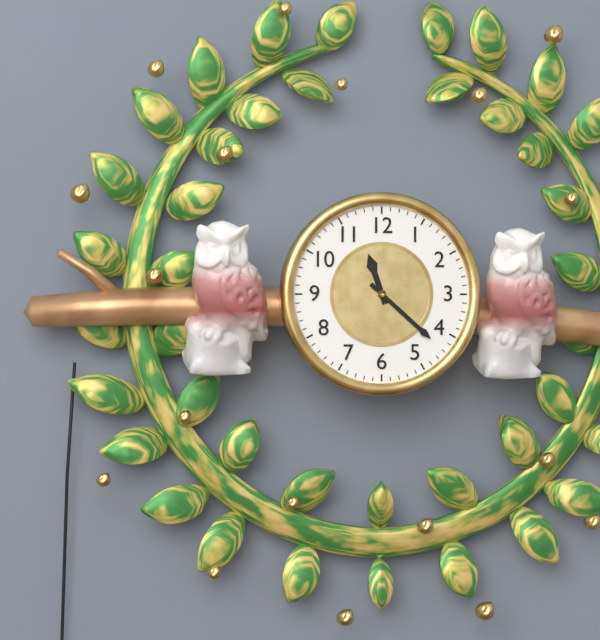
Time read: **11:22**
